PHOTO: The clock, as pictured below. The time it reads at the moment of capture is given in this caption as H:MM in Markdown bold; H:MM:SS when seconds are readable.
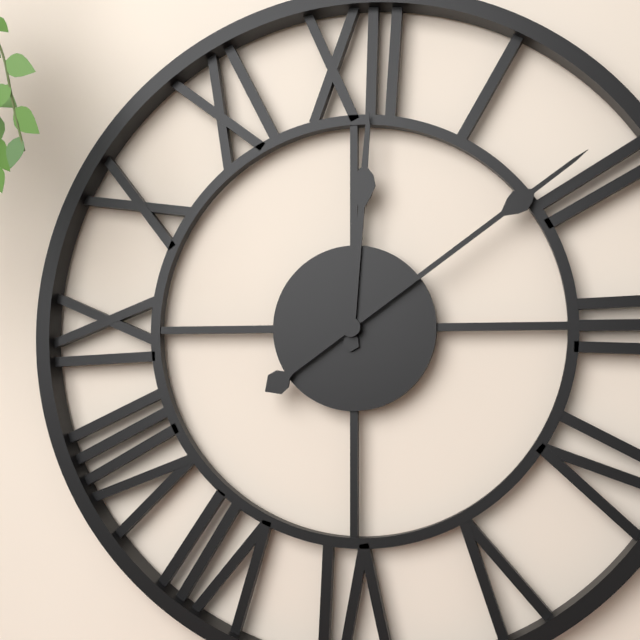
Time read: **12:09**
